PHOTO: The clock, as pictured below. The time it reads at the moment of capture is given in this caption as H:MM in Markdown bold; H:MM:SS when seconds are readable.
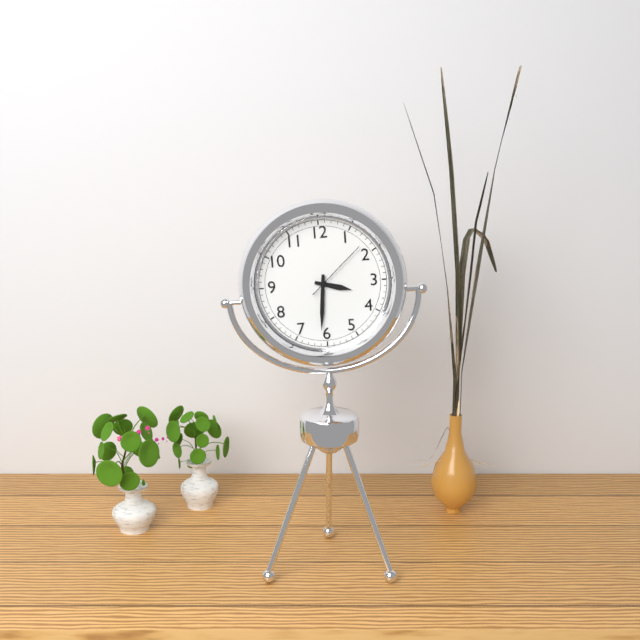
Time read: **3:31:08**
